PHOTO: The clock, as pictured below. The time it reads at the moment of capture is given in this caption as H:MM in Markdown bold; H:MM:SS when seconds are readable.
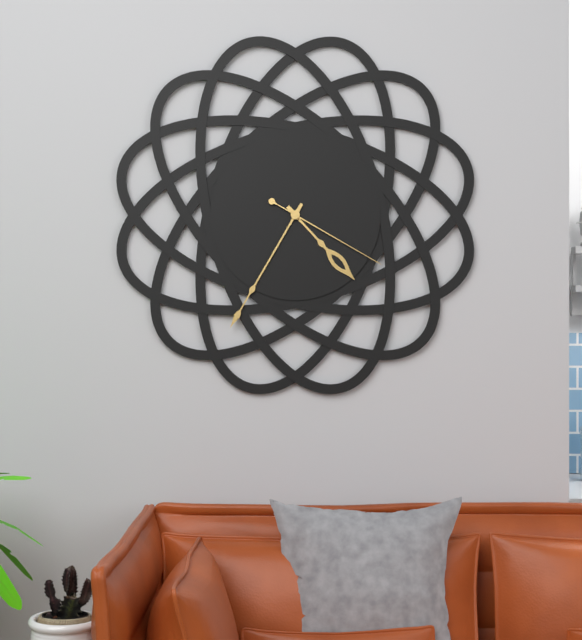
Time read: **4:35:20**
